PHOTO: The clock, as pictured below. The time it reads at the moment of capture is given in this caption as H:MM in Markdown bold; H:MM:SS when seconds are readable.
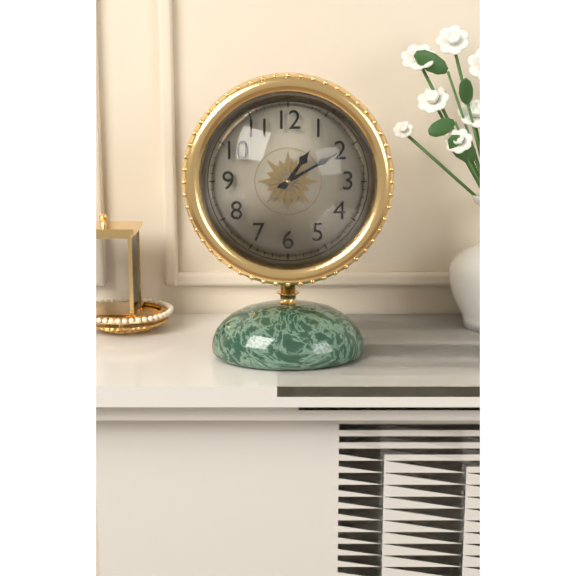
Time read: **1:10**
